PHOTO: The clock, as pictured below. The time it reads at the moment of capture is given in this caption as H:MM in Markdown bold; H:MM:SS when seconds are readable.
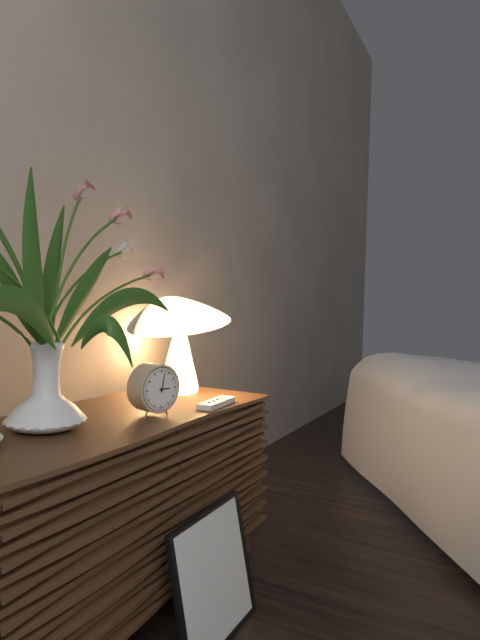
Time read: **3:02**
